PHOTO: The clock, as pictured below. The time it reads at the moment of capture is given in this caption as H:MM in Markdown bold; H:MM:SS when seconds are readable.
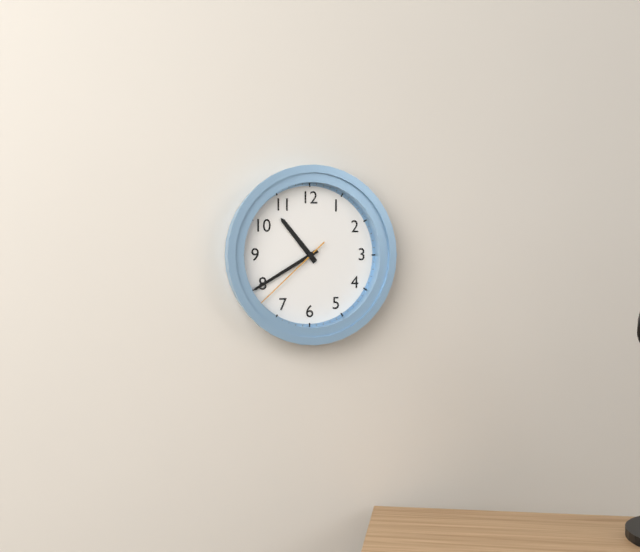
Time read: **10:40:38**
